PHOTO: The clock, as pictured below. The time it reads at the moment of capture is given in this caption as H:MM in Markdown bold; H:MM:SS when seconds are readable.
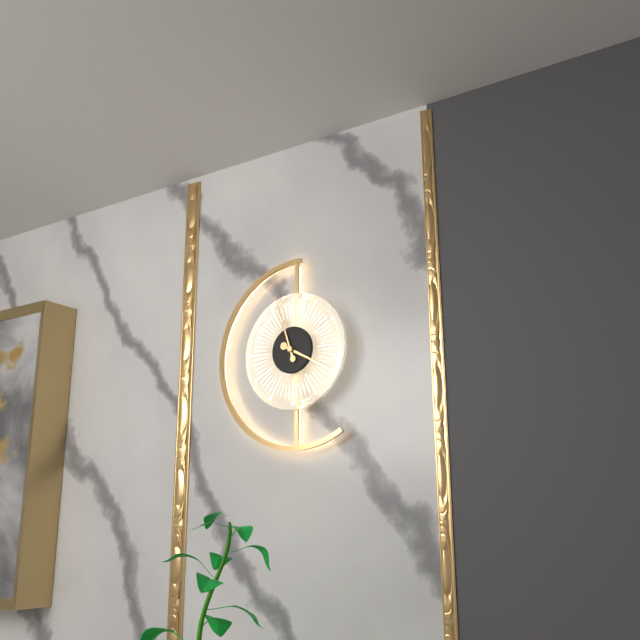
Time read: **3:57**
